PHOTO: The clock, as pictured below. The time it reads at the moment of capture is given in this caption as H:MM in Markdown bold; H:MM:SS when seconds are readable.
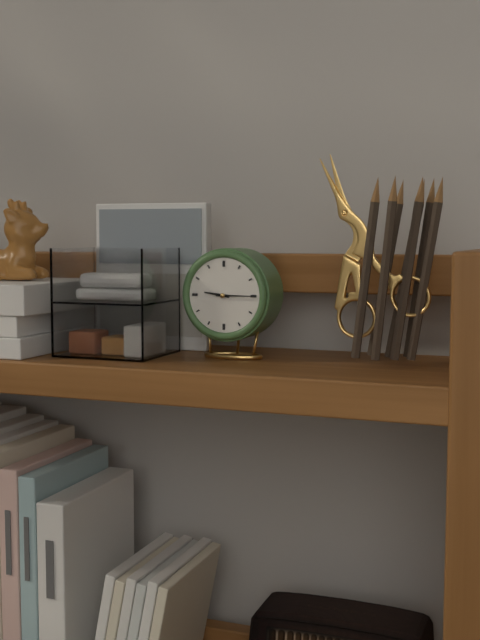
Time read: **9:15**
